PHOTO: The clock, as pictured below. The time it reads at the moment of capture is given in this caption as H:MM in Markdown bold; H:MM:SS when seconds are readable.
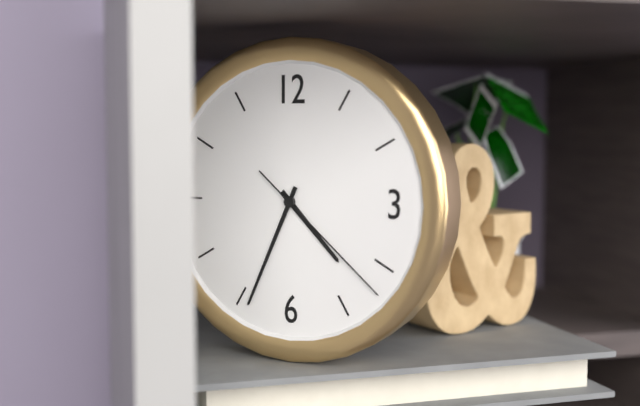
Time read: **4:34:22**
